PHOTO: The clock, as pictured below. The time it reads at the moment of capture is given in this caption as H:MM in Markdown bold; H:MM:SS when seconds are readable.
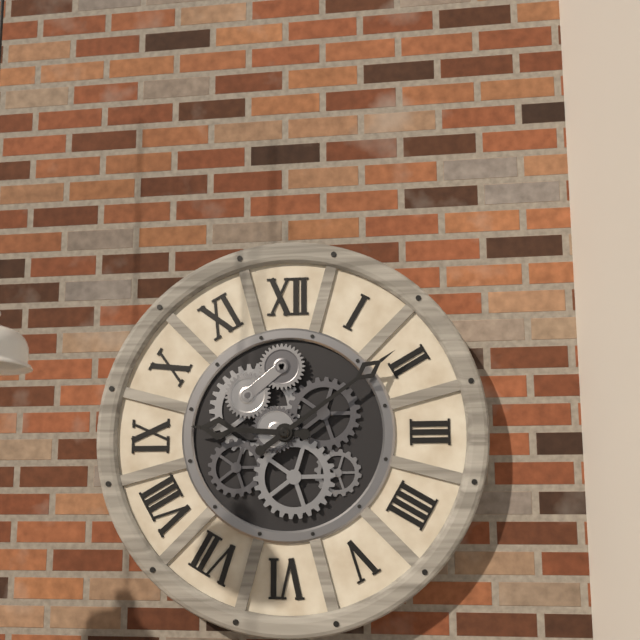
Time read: **9:09**
